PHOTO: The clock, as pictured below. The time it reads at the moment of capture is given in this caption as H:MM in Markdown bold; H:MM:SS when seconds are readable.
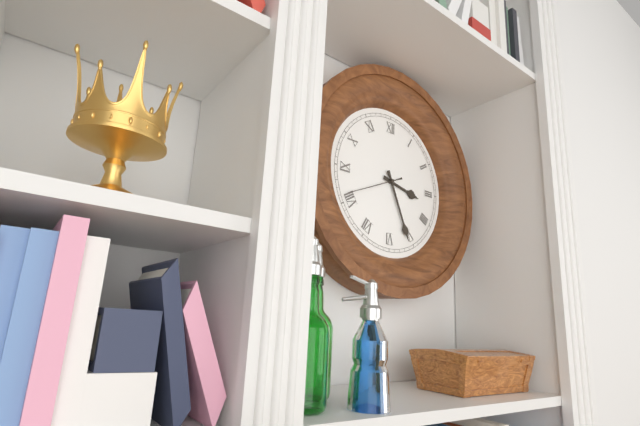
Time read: **3:26:41**
